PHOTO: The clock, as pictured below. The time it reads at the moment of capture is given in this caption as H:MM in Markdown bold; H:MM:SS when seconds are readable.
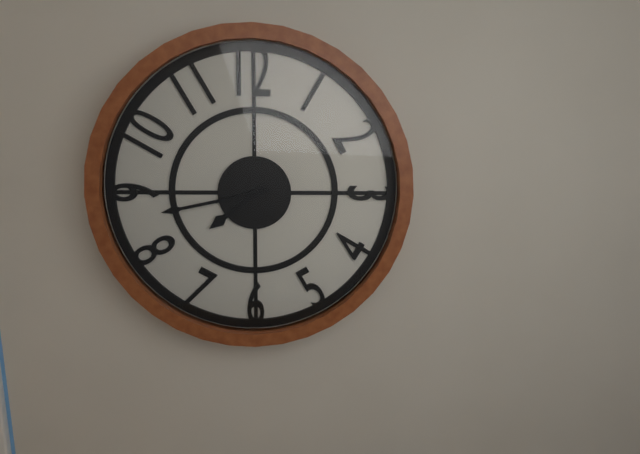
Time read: **7:43**
